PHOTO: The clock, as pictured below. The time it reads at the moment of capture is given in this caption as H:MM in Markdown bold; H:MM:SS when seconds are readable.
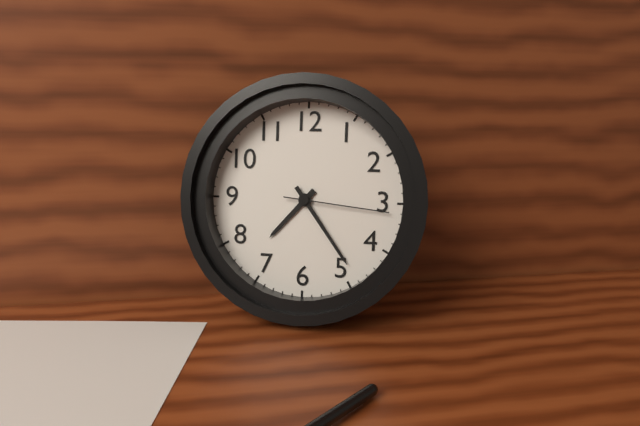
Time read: **7:24:16**
